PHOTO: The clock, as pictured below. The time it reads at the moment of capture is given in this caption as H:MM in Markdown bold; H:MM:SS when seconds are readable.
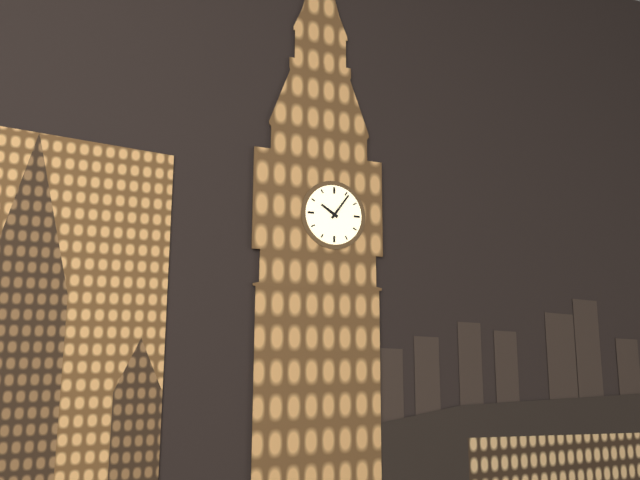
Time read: **10:06**
